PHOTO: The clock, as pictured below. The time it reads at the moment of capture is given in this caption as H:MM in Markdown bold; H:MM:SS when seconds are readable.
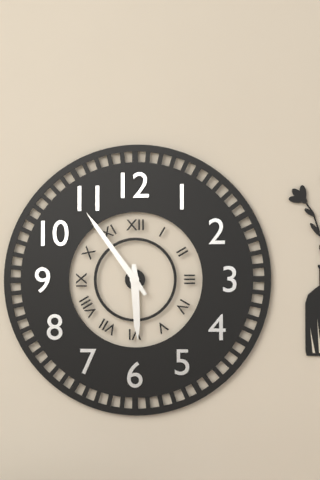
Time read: **5:54**
